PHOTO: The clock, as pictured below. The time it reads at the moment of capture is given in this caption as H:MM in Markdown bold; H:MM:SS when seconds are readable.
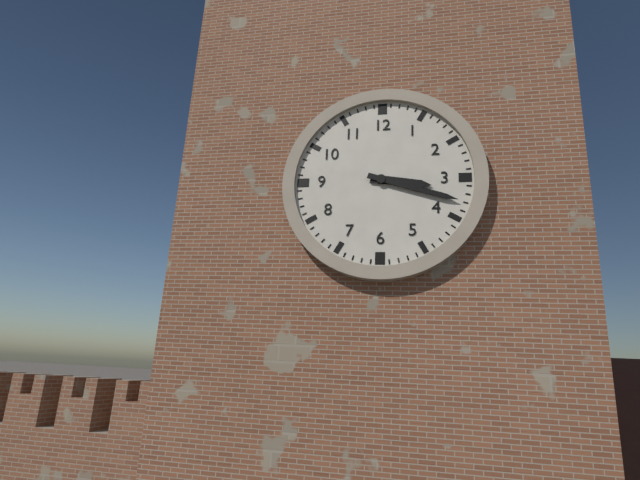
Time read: **3:18**
